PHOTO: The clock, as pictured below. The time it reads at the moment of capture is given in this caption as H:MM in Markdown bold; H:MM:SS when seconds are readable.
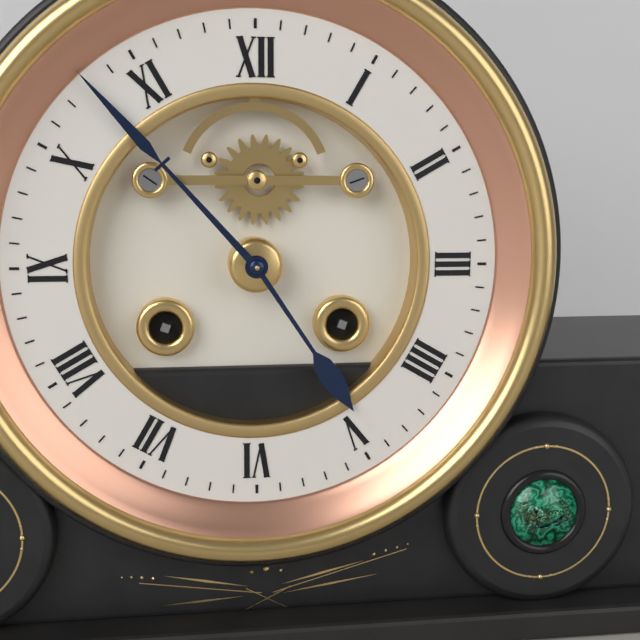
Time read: **4:53**
